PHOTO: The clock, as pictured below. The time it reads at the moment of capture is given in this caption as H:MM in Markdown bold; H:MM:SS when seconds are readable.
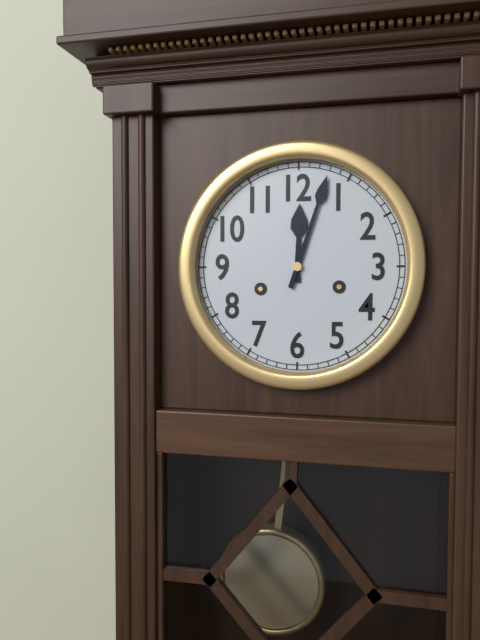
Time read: **12:03**
